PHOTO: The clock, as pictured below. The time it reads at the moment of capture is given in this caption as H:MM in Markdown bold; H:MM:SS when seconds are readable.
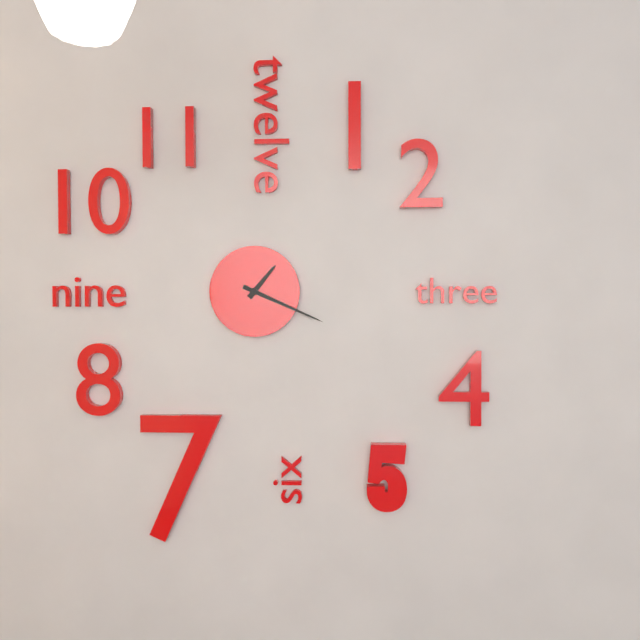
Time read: **1:19**
